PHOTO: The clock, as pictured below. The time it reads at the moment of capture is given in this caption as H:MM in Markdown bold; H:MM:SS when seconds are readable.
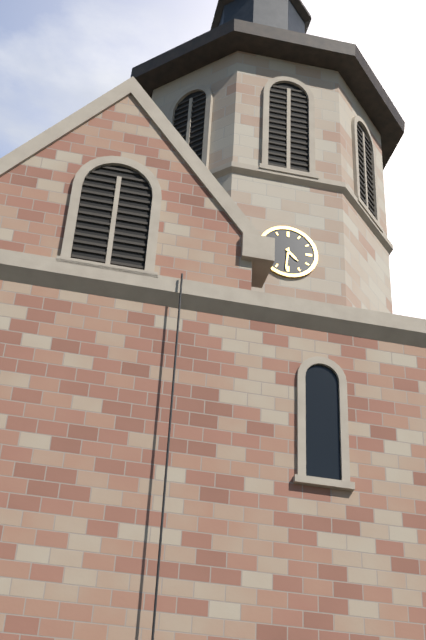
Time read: **4:31**
